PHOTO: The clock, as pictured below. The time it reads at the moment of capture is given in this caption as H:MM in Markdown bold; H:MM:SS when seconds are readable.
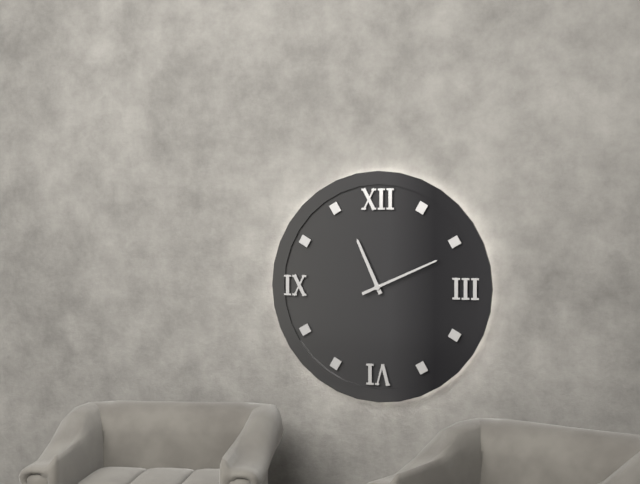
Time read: **11:11**
